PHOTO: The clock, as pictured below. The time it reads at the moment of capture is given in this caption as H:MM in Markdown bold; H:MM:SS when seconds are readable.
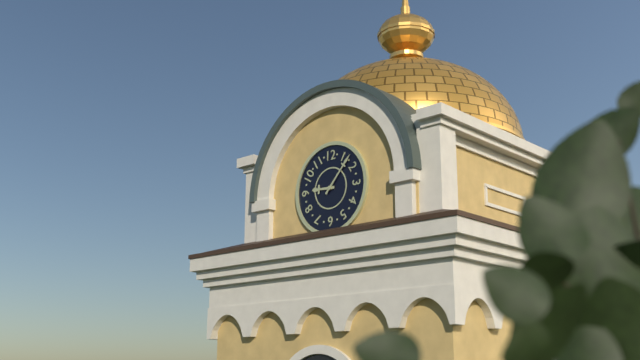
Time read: **9:07**
